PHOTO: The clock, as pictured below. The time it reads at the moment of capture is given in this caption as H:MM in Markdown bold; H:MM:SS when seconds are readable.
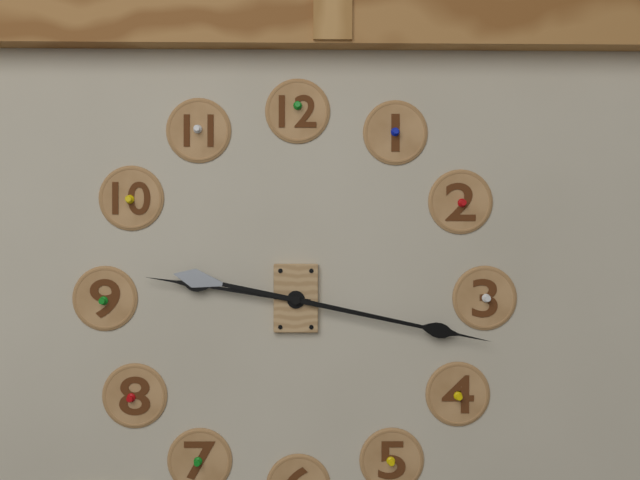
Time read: **9:17**
